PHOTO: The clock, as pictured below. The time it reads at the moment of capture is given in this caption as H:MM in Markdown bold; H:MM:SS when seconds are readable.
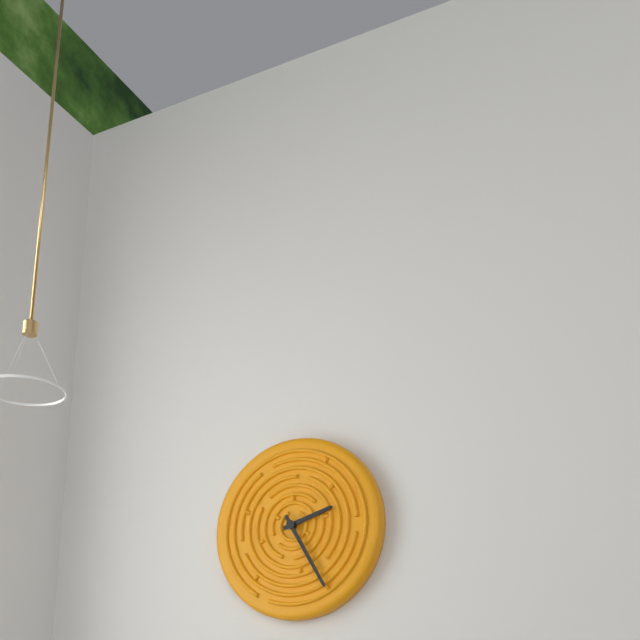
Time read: **2:25**
